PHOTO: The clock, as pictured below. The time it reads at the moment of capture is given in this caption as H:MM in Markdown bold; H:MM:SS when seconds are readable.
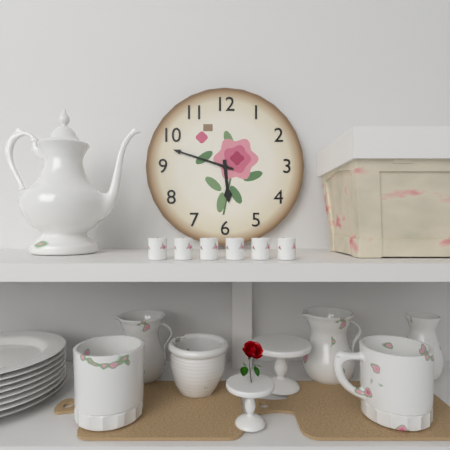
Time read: **5:48**
